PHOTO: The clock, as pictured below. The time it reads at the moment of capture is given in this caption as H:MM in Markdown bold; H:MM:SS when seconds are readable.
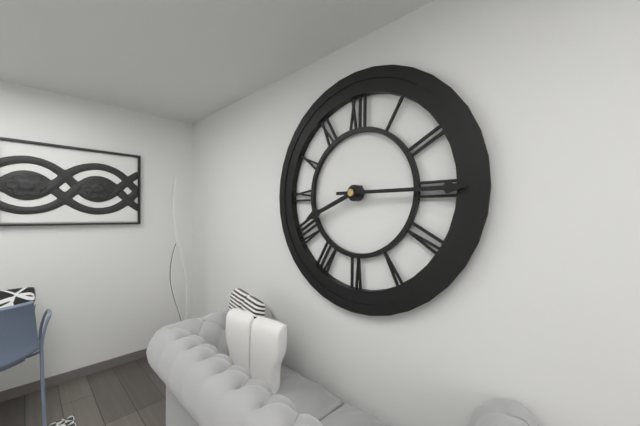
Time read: **8:15**
